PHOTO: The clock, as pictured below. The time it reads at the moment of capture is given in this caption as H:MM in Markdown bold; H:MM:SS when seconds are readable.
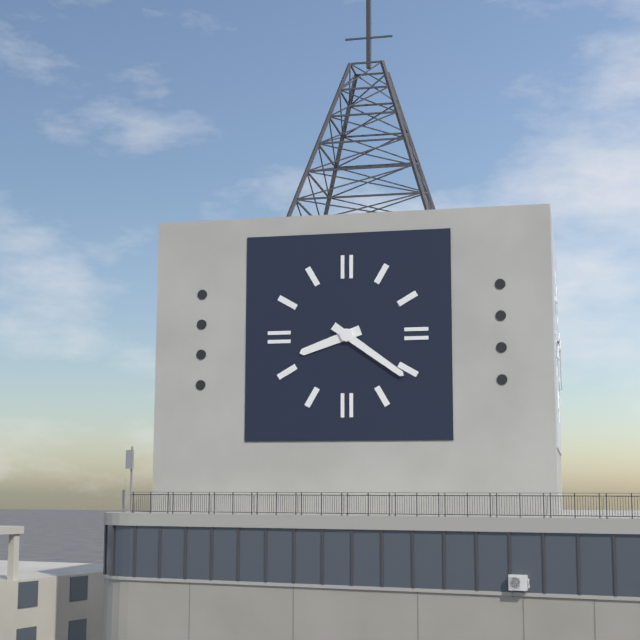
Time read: **8:21**
